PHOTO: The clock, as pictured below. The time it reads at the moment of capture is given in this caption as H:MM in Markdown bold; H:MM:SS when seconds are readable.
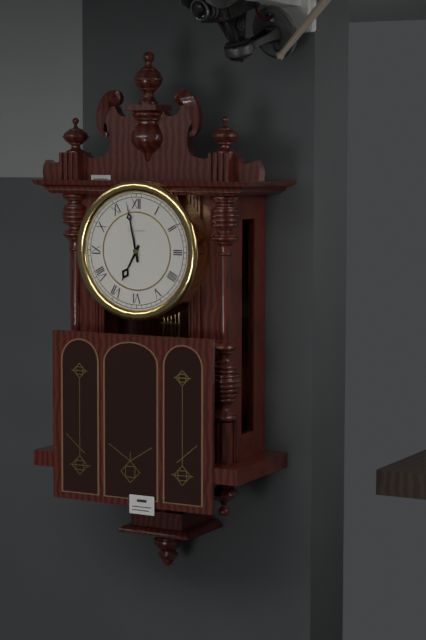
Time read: **6:58**
